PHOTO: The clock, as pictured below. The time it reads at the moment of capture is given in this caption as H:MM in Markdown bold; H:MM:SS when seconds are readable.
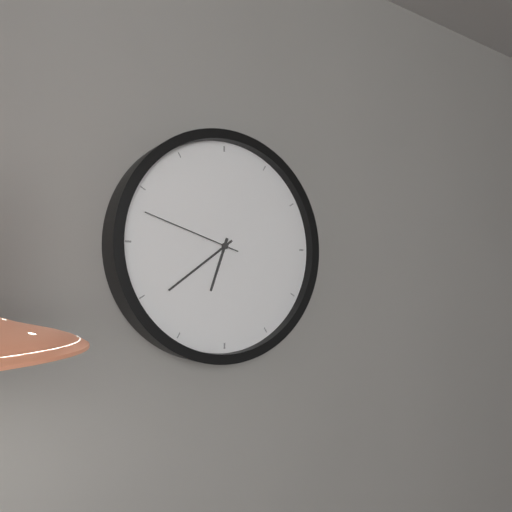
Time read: **6:39:48**
